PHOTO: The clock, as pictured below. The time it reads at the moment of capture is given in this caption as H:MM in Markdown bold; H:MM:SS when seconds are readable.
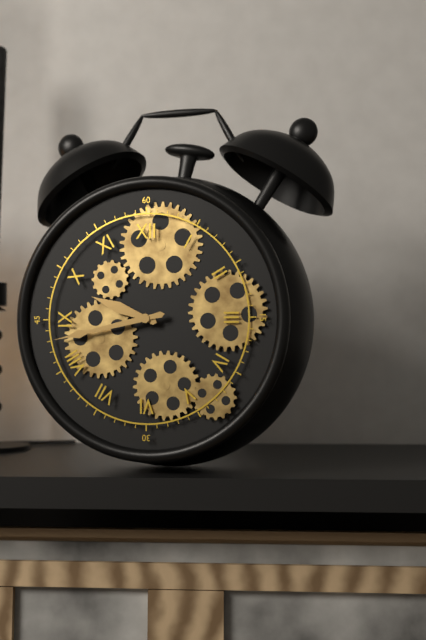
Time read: **9:43**
